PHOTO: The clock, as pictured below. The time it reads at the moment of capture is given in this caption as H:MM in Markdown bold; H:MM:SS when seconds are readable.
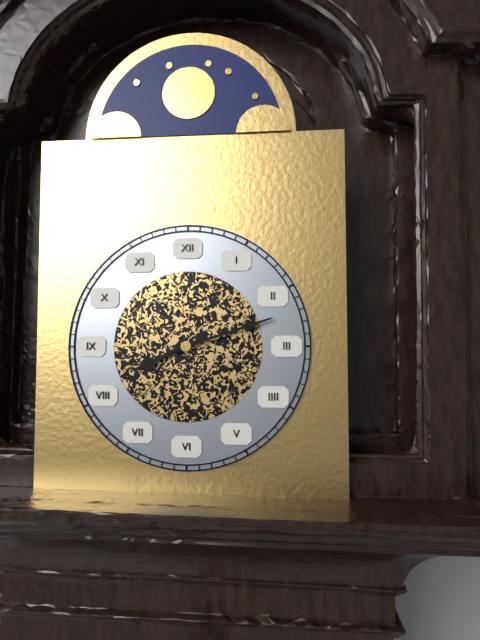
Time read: **8:12**
